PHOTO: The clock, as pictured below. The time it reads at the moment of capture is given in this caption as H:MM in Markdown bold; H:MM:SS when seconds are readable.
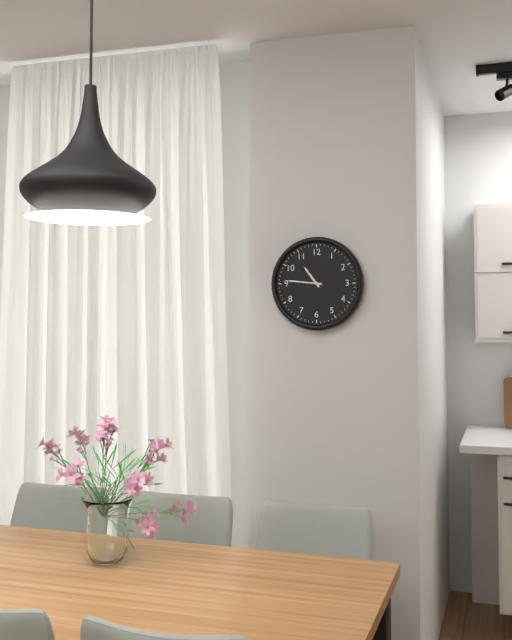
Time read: **10:46**
